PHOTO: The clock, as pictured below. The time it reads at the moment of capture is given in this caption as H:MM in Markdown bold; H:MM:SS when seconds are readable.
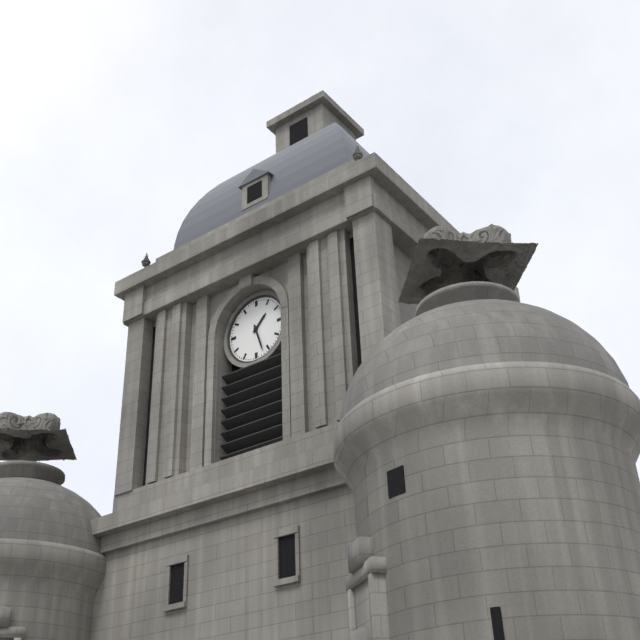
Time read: **1:27**
